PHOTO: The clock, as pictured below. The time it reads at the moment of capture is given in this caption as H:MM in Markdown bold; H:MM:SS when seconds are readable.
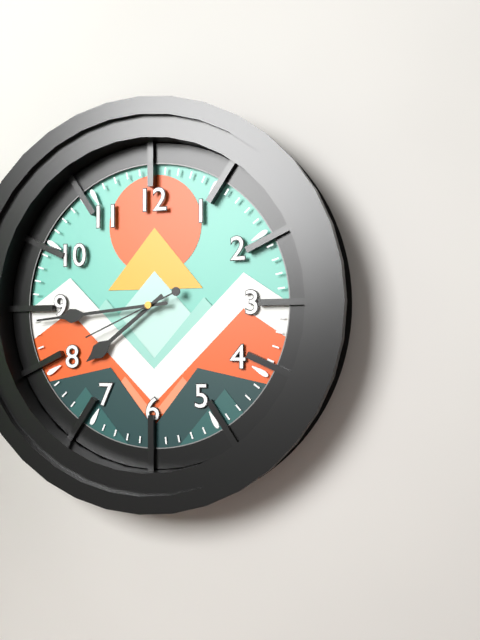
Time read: **7:44:41**
